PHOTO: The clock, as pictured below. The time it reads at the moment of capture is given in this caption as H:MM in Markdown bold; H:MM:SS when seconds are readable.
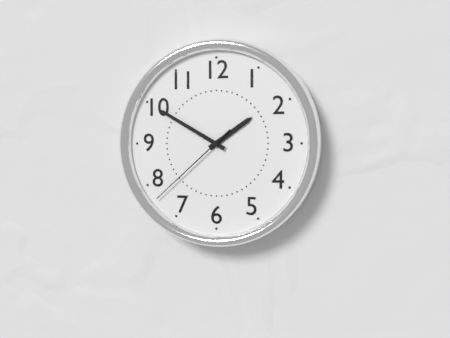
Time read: **1:50:38**
